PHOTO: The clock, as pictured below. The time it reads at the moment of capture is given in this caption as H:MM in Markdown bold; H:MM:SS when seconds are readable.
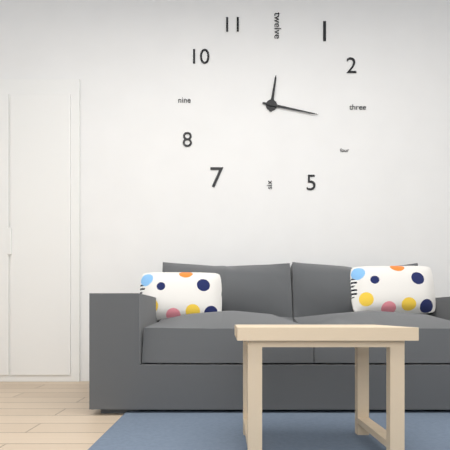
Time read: **12:17**
